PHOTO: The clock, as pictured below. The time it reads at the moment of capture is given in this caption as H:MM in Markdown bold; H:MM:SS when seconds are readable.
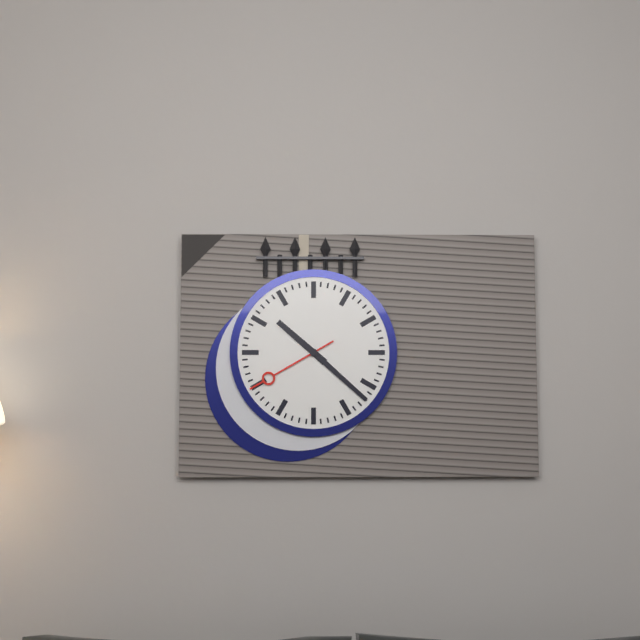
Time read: **10:22:40**
